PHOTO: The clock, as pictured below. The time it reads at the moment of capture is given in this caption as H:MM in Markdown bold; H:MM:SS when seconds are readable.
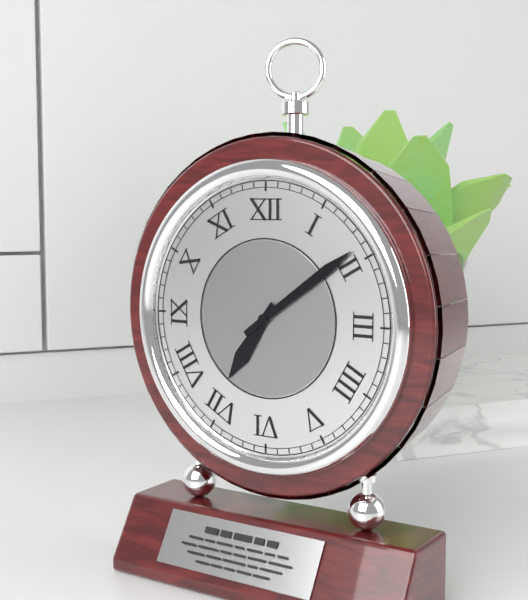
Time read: **7:09**
